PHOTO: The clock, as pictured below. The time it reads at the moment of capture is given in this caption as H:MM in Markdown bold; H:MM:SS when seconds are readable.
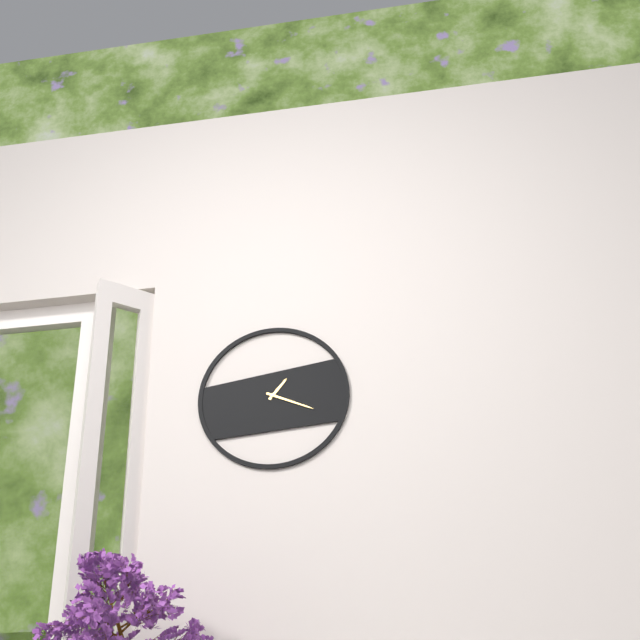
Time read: **1:19**
